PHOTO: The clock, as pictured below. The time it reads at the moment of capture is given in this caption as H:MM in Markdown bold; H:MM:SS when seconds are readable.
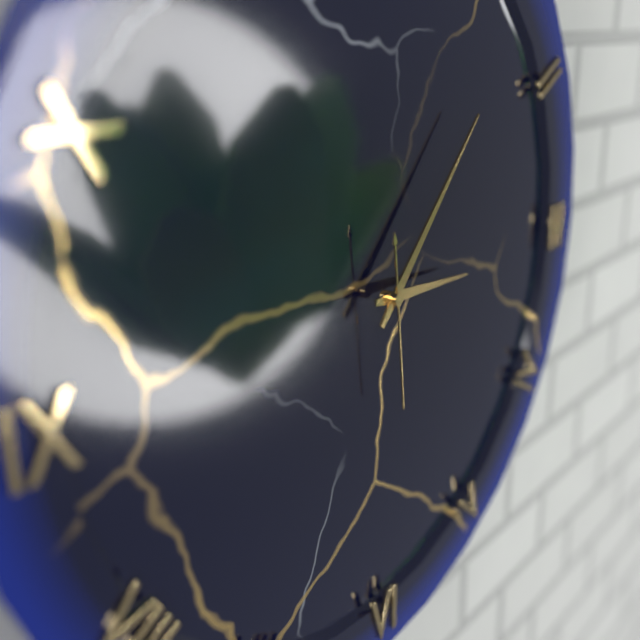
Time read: **3:07:29**
